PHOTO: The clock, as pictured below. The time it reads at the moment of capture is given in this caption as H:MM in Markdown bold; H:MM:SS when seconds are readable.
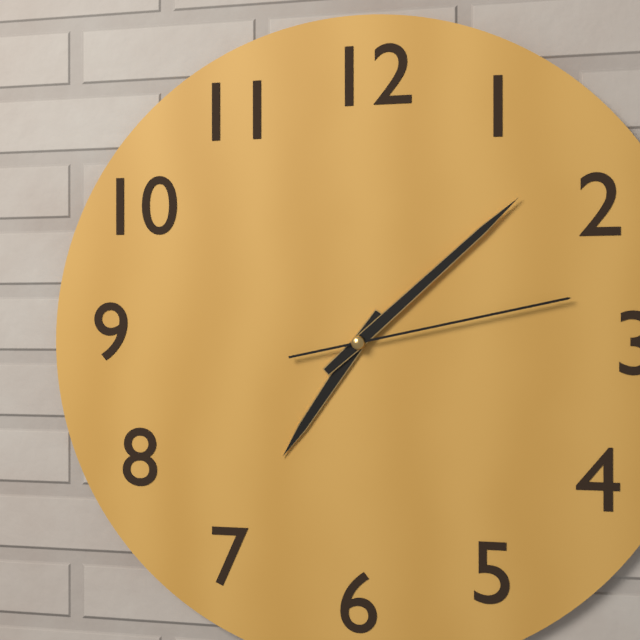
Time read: **7:08:13**
